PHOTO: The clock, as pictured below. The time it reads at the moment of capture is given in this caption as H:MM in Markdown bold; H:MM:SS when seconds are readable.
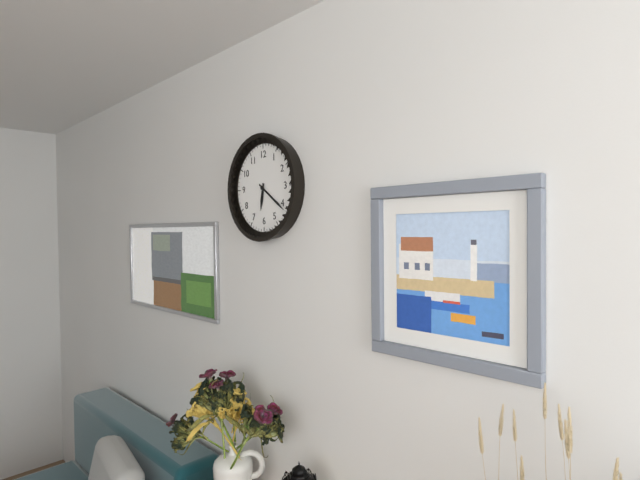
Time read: **6:21**
